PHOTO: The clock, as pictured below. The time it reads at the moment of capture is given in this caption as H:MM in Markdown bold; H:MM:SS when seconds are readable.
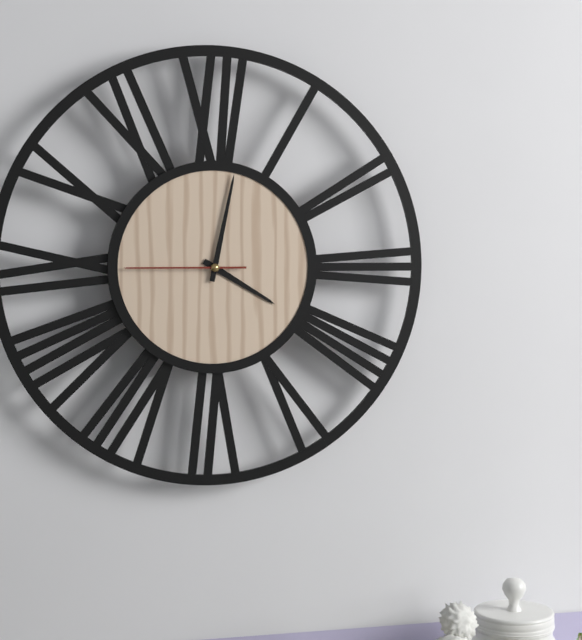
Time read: **4:02:45**
